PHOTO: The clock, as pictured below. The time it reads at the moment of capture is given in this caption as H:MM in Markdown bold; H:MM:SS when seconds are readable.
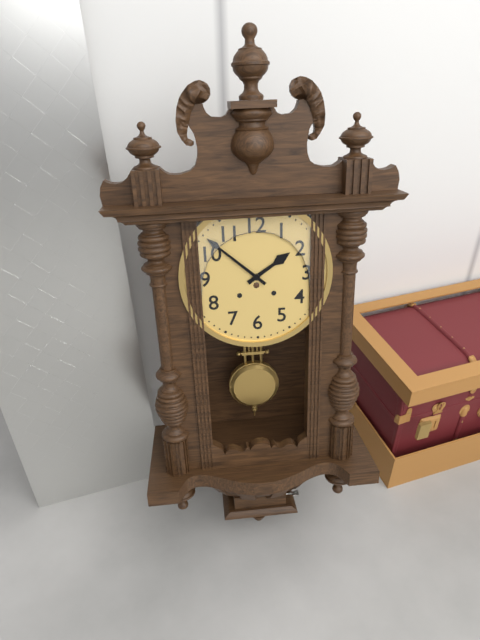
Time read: **1:52**
